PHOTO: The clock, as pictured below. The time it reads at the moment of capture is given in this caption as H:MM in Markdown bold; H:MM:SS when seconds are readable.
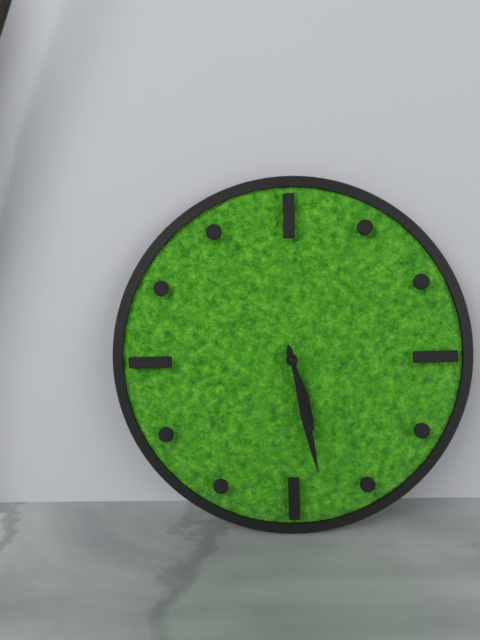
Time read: **5:28**
